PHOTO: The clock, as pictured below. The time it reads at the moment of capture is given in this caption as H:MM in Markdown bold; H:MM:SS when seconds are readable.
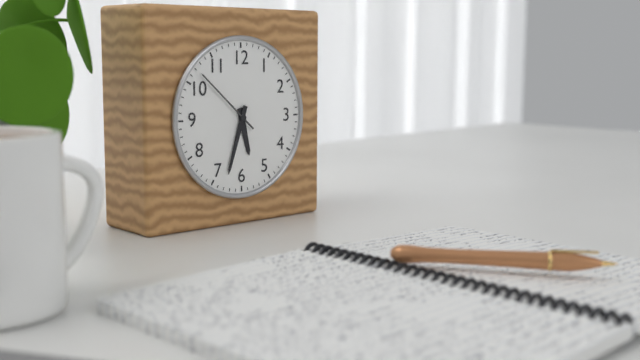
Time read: **5:33:52**
